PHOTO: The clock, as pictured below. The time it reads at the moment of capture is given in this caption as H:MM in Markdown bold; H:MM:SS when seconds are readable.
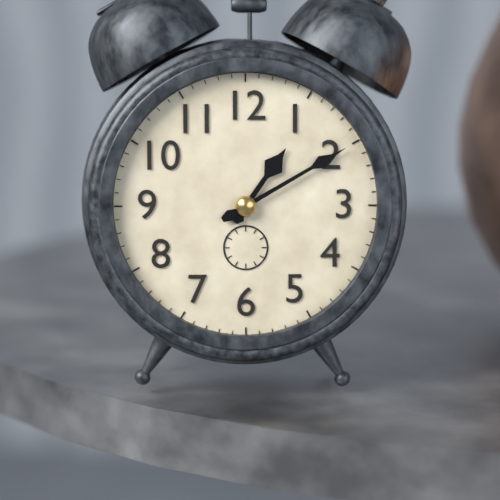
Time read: **1:10**
